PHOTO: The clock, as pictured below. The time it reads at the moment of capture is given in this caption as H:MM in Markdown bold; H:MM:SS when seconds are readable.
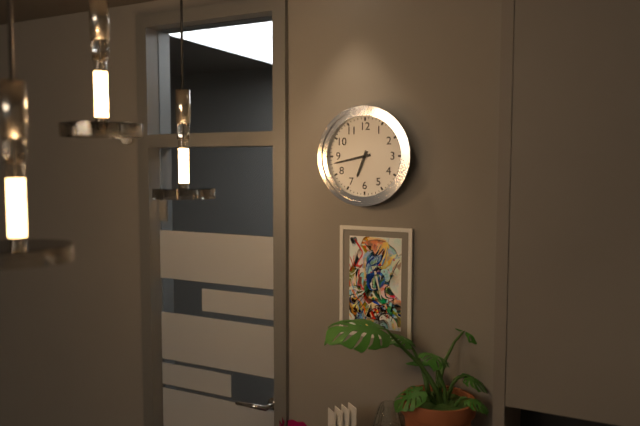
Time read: **6:43**
